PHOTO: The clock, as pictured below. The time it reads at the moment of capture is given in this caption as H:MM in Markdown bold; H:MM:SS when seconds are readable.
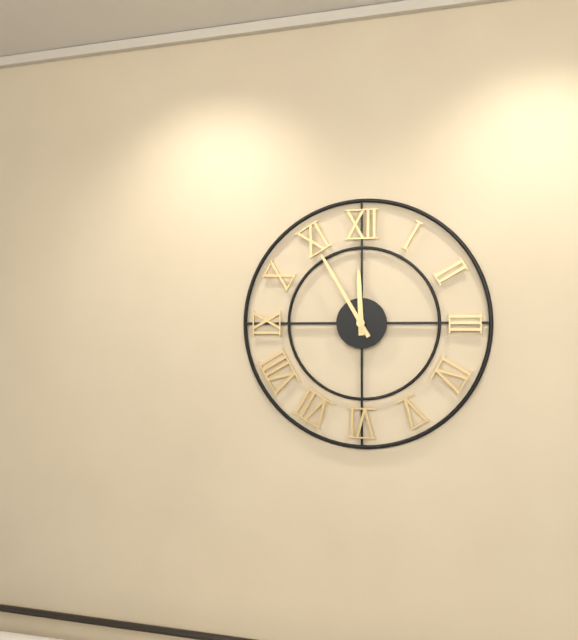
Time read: **11:55**
